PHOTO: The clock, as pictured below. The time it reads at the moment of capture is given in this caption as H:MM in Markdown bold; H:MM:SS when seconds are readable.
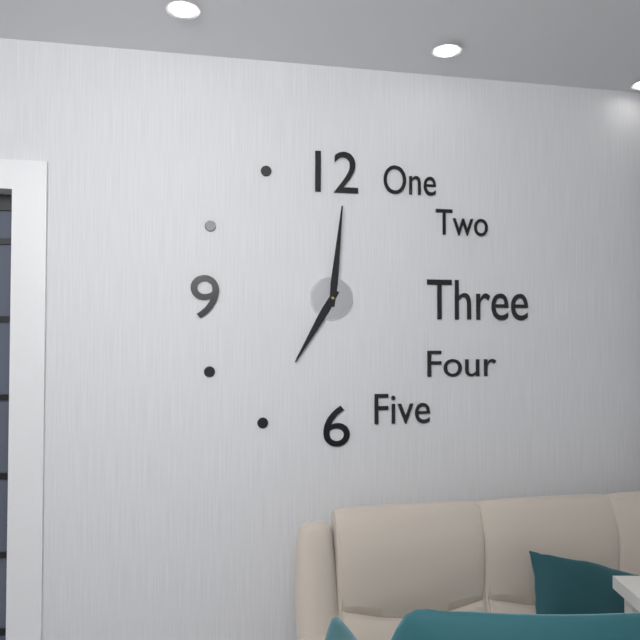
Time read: **7:01**
